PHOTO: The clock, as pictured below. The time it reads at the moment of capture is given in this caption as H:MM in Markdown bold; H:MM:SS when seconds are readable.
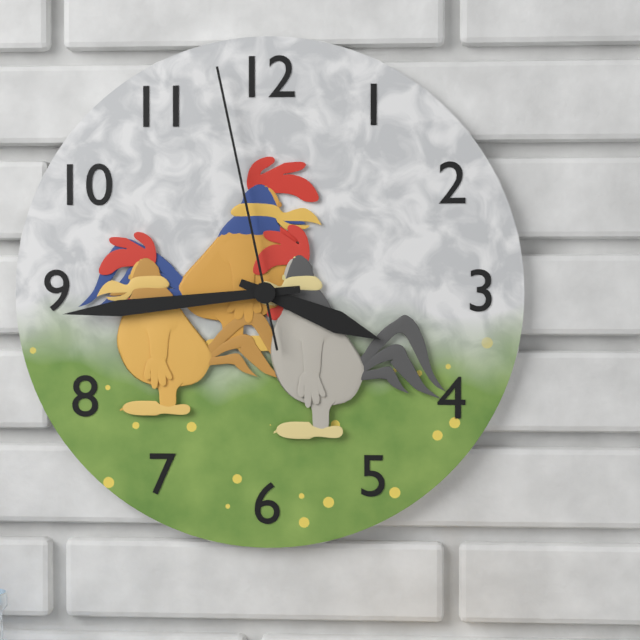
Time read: **3:44:58**
